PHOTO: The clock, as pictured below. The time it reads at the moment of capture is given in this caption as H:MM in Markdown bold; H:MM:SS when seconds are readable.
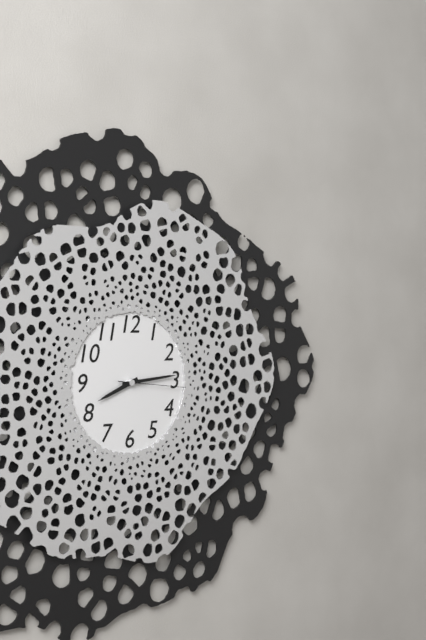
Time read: **8:14:16**
